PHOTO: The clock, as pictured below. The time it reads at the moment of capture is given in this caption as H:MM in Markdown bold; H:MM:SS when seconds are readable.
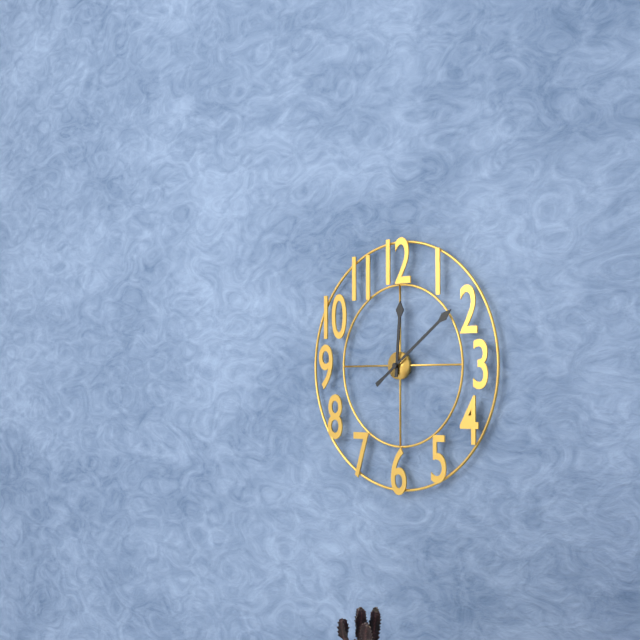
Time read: **12:09**
